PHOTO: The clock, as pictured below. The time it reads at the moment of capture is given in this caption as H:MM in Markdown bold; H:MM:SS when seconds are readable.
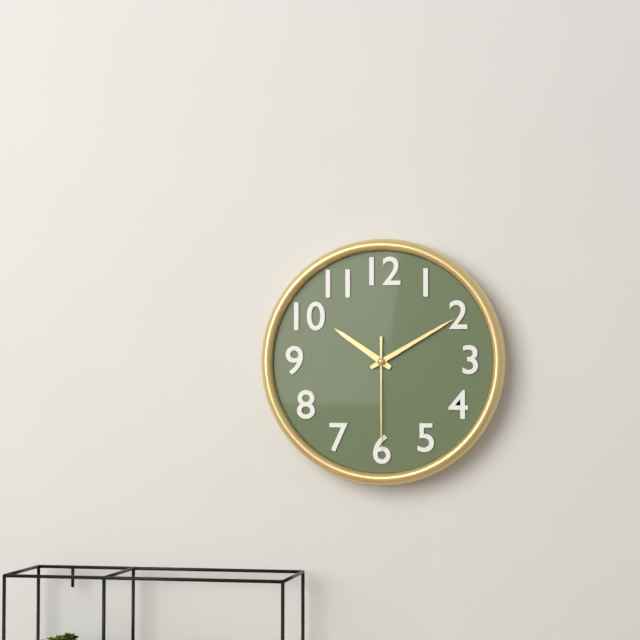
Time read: **10:10:30**
